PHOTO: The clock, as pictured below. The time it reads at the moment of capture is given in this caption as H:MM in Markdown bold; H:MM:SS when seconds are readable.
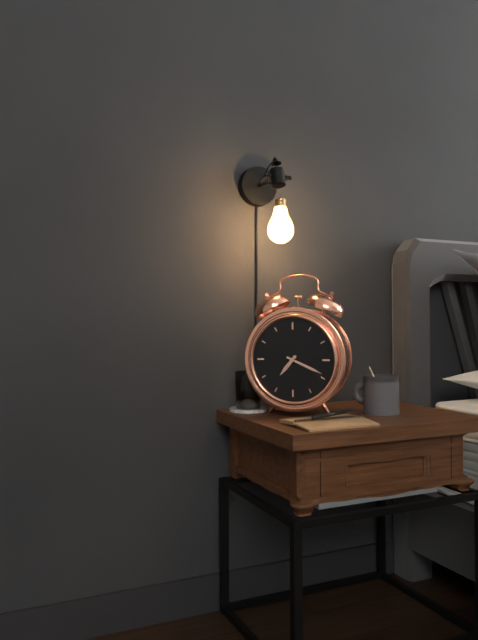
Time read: **7:19**
